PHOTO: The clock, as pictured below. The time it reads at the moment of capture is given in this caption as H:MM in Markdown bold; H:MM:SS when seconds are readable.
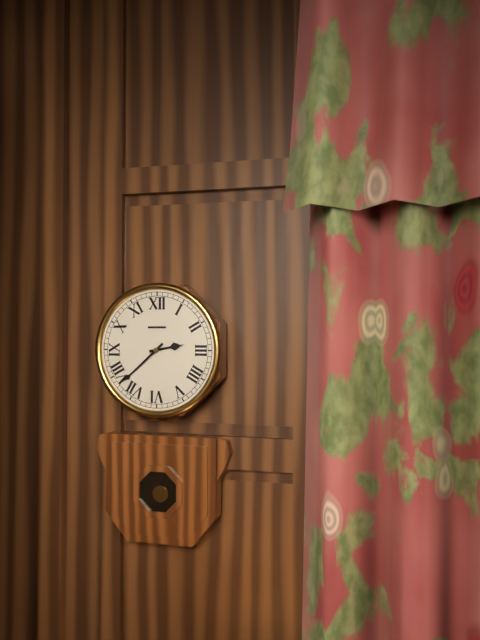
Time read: **2:38**
